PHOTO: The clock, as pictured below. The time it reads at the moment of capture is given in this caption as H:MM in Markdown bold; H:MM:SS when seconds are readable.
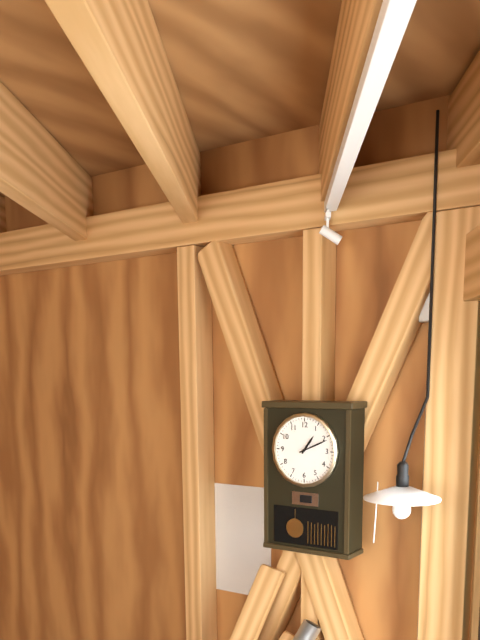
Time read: **1:11**
